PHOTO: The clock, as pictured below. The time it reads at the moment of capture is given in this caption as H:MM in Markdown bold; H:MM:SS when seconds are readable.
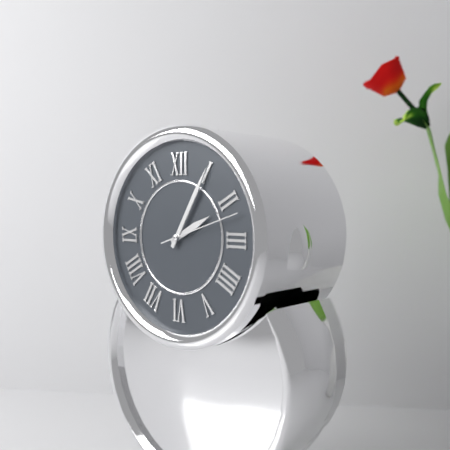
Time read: **2:05:12**
